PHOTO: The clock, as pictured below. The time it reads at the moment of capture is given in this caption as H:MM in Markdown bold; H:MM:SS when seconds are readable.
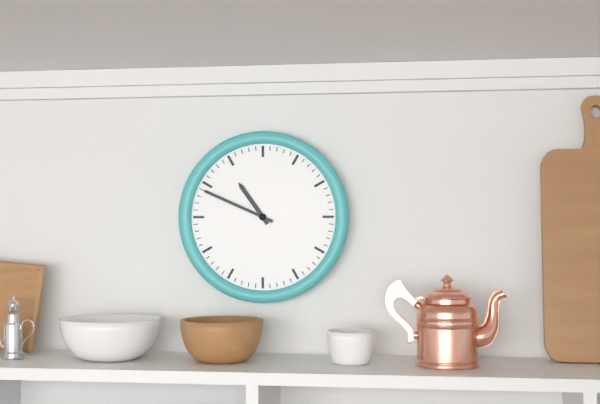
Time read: **10:49**
